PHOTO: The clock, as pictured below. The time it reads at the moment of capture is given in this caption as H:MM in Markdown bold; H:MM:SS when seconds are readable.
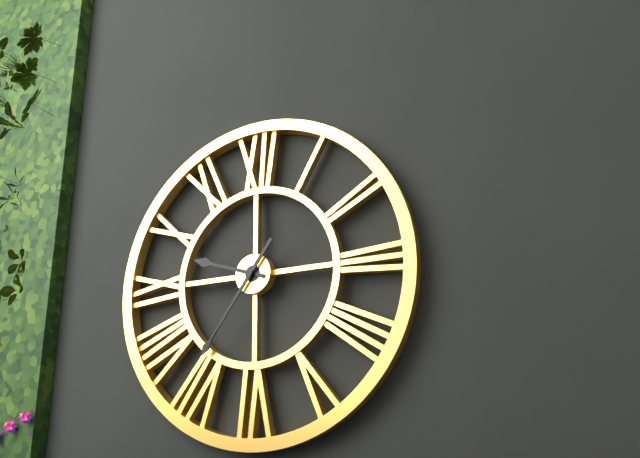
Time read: **9:36**
